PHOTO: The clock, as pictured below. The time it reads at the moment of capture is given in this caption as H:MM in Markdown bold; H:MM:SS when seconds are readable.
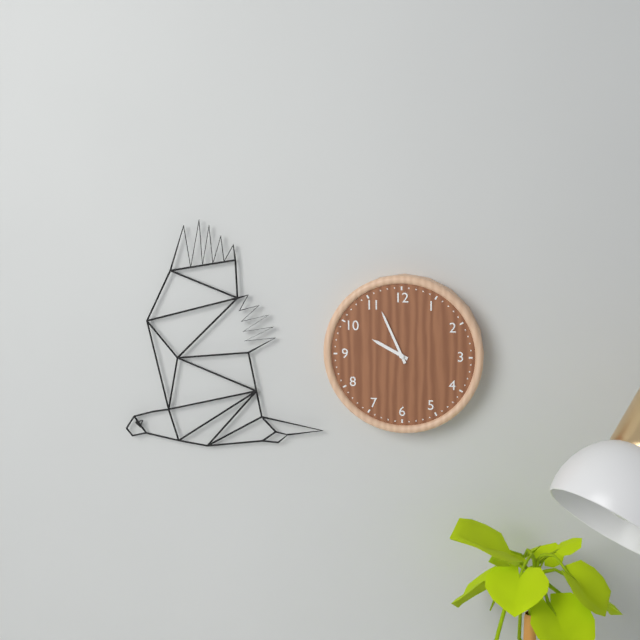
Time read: **9:56**
